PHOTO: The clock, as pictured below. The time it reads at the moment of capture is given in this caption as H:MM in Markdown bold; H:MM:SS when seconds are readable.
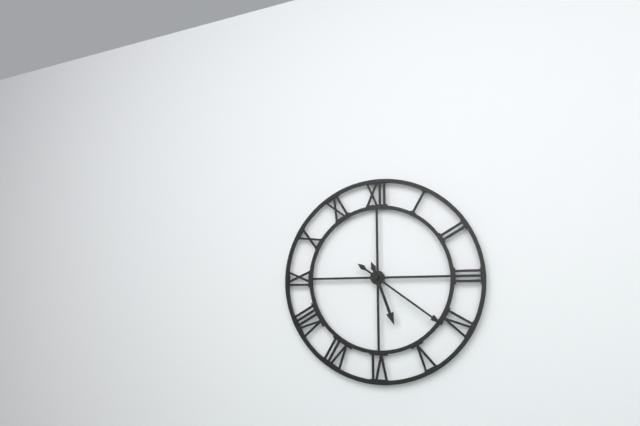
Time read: **5:21**
